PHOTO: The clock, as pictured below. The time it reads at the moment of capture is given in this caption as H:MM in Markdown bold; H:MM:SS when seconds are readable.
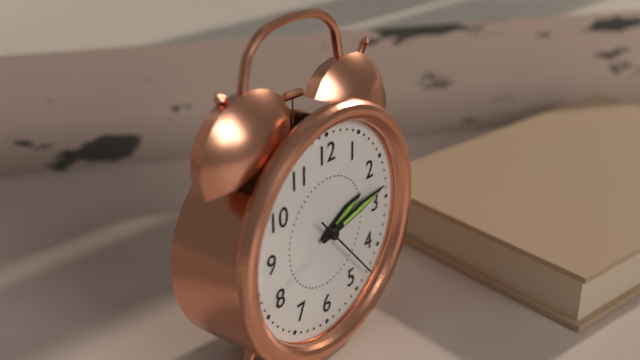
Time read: **2:13:23**
